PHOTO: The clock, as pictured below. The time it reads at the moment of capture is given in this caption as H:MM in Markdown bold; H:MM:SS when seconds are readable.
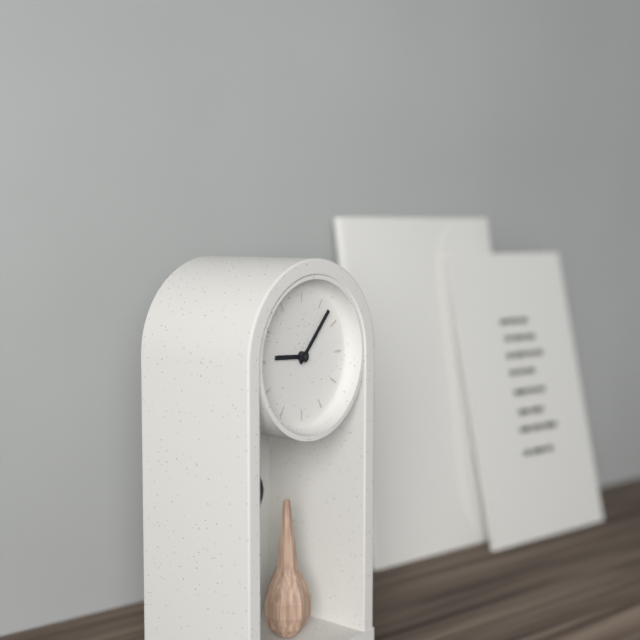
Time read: **9:07**
